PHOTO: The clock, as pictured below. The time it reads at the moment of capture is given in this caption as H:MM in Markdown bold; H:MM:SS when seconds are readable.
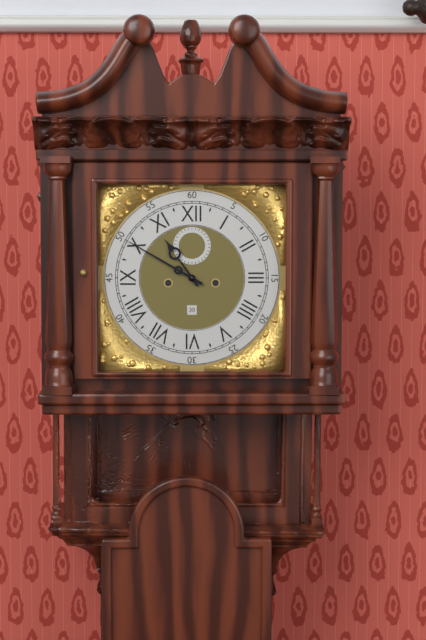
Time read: **10:50**
